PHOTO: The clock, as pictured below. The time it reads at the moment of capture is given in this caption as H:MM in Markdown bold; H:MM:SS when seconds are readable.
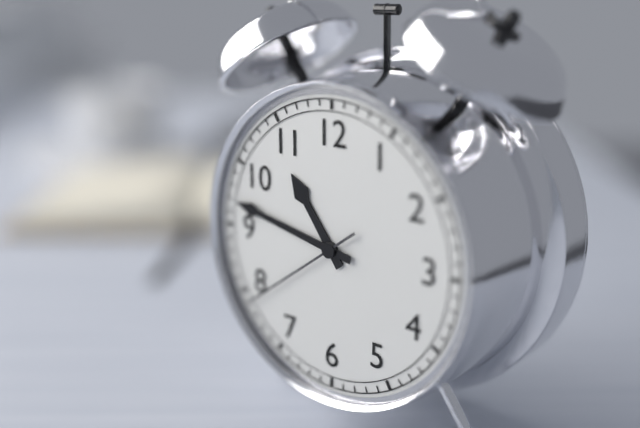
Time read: **10:47:39**
